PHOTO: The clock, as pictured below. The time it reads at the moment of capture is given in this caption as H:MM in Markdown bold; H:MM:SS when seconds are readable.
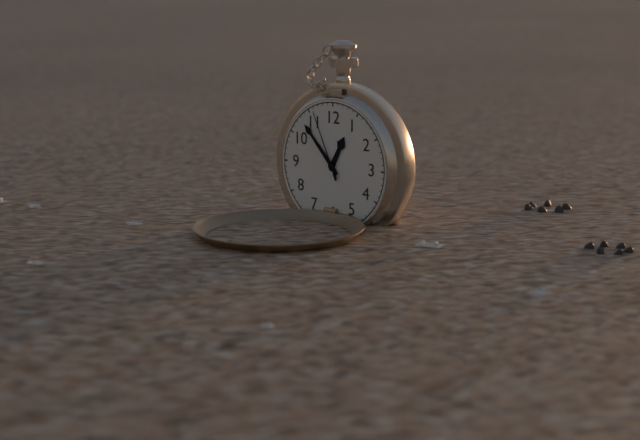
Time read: **12:53:56**
